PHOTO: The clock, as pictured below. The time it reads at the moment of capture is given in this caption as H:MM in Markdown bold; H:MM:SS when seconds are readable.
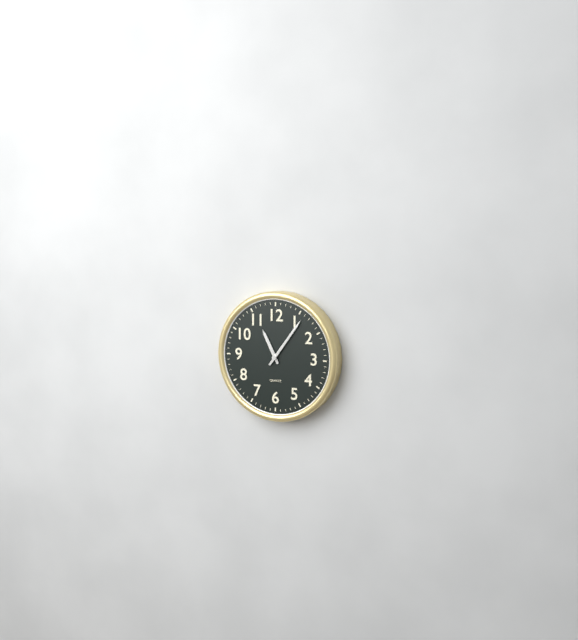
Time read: **11:06**
